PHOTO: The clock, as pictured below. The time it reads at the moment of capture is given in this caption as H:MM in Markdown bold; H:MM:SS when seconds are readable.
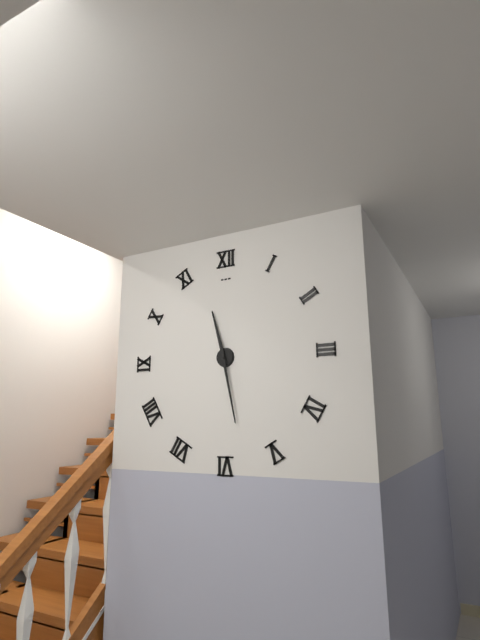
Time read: **11:28**
